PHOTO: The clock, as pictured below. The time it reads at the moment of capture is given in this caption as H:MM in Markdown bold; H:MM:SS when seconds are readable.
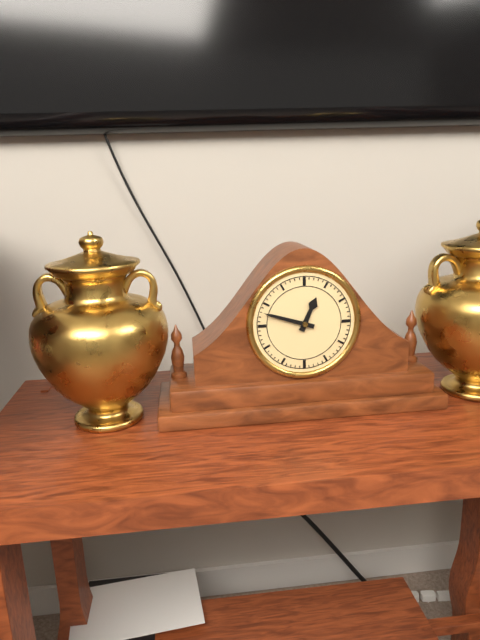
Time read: **12:48**
